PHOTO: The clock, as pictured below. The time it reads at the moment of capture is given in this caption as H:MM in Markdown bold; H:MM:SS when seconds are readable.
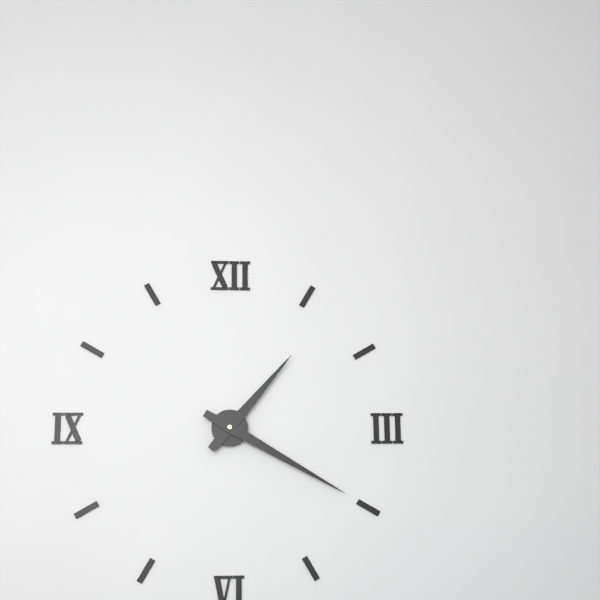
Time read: **1:20**
